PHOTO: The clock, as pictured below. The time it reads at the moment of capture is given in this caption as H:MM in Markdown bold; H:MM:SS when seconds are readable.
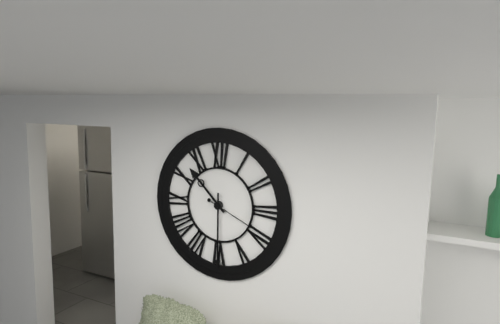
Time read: **10:30:19**
